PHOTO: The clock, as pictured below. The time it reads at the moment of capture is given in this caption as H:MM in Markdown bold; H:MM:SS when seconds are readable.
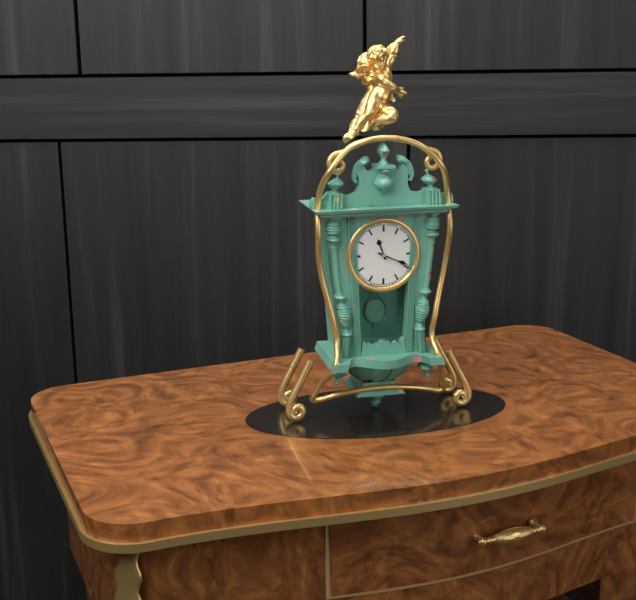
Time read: **11:19**
